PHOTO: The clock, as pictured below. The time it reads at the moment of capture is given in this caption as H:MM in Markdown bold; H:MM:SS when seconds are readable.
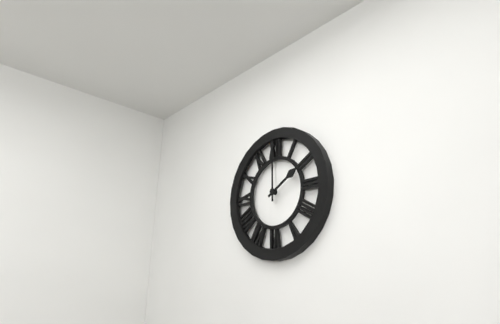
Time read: **2:00**
